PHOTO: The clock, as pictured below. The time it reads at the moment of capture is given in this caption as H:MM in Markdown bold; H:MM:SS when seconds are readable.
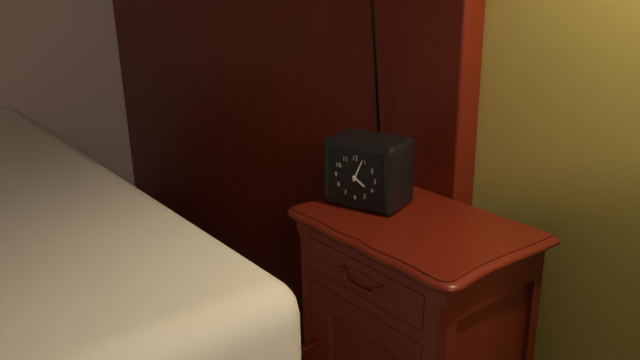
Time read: **4:04**
